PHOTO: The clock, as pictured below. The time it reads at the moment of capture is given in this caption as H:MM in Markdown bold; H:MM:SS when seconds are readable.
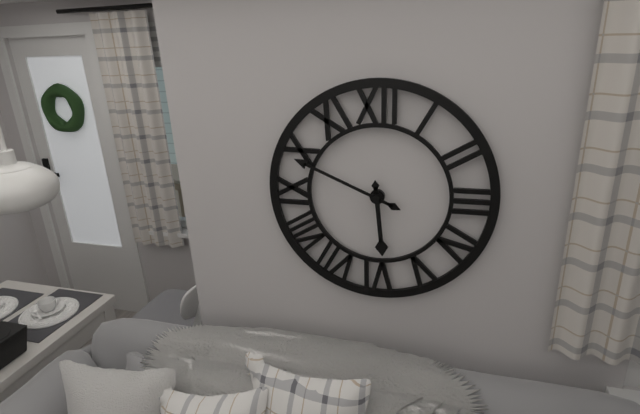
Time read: **5:49**
